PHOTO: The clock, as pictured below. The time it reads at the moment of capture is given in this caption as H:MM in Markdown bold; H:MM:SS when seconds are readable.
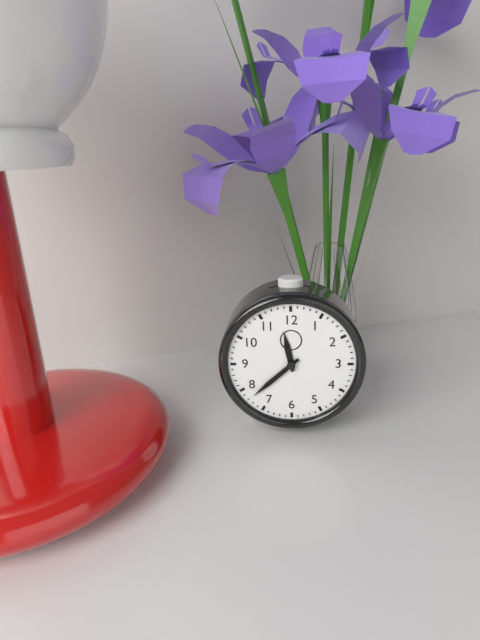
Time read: **11:38**
